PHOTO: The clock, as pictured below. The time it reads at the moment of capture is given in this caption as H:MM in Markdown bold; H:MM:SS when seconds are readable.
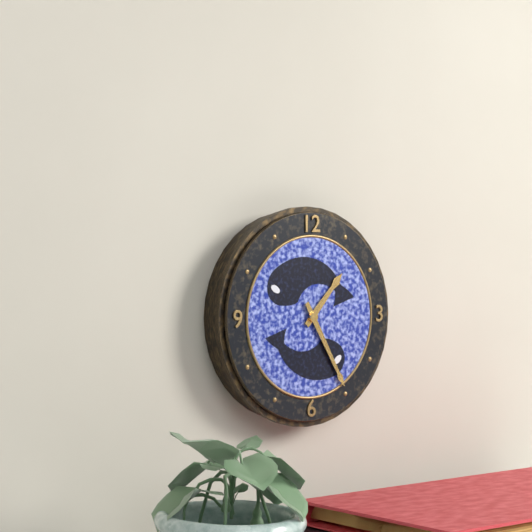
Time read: **1:25**
